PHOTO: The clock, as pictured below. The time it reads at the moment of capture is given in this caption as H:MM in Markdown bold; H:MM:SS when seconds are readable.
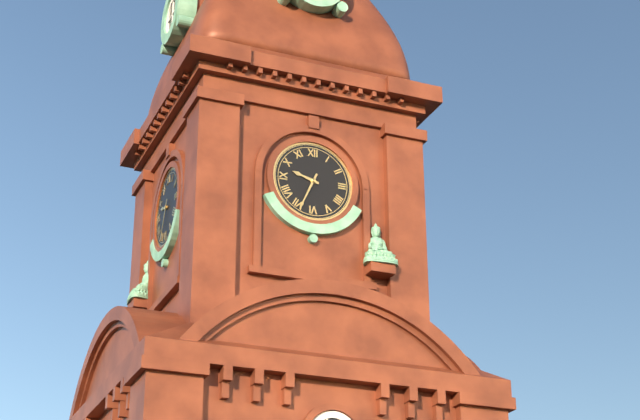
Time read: **9:34**
